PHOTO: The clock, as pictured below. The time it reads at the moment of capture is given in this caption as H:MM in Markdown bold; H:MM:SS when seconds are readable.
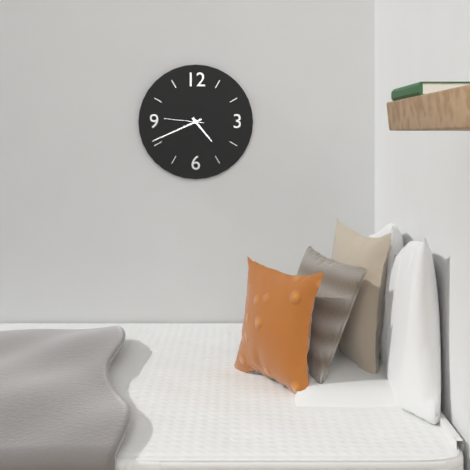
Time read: **4:41**
